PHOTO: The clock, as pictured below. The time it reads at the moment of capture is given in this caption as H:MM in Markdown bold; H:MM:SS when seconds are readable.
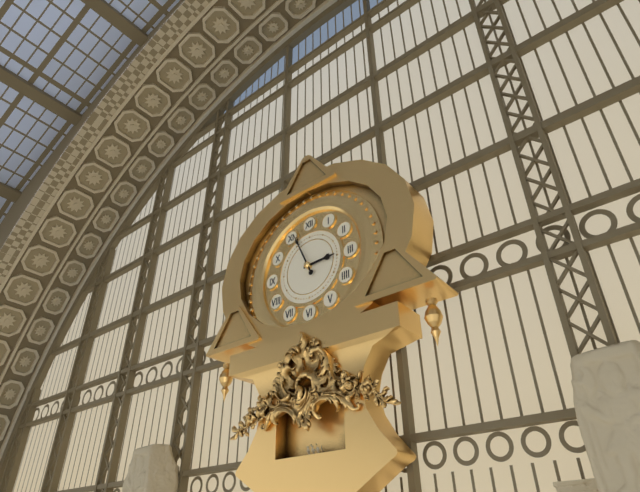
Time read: **2:56**
